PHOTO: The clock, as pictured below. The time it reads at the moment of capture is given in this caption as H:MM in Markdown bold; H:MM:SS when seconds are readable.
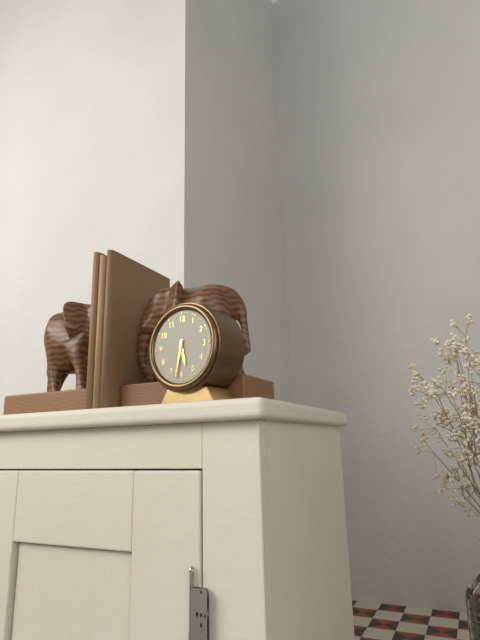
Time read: **5:32**
